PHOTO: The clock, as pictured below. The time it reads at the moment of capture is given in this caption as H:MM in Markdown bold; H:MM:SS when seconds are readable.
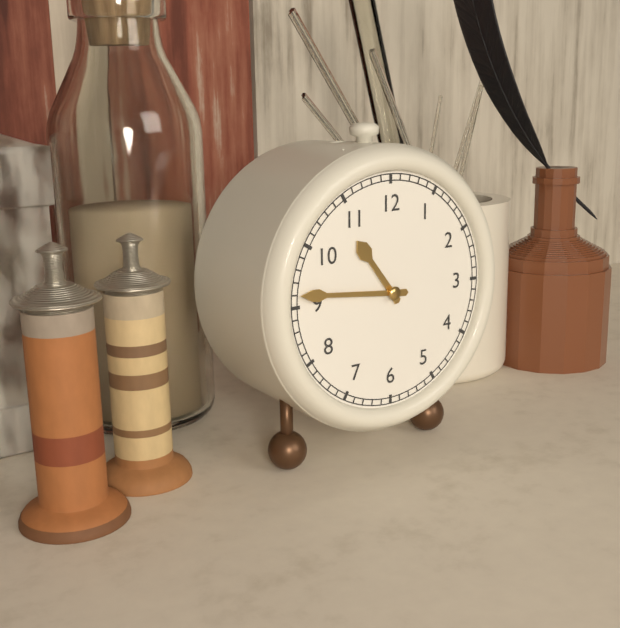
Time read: **10:46**
